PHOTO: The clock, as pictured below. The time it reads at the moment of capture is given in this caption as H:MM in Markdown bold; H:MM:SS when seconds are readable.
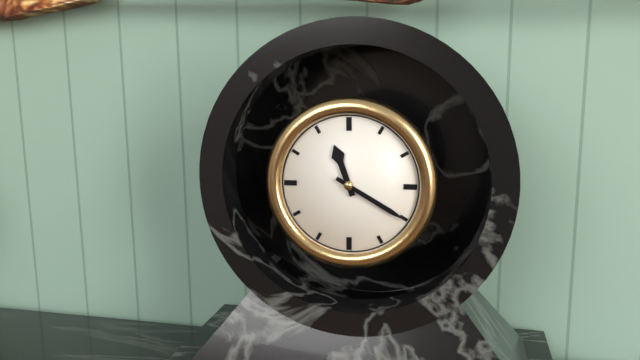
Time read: **11:20**
